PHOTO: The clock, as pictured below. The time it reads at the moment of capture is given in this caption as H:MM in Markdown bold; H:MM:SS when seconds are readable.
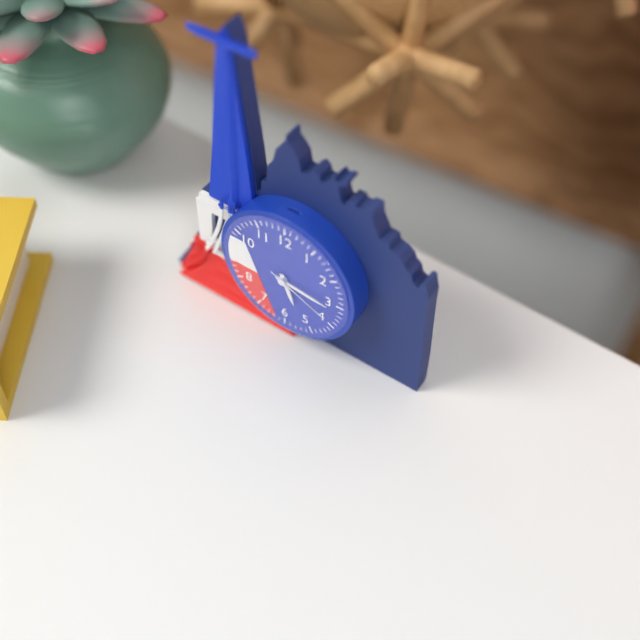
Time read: **5:16:19**
